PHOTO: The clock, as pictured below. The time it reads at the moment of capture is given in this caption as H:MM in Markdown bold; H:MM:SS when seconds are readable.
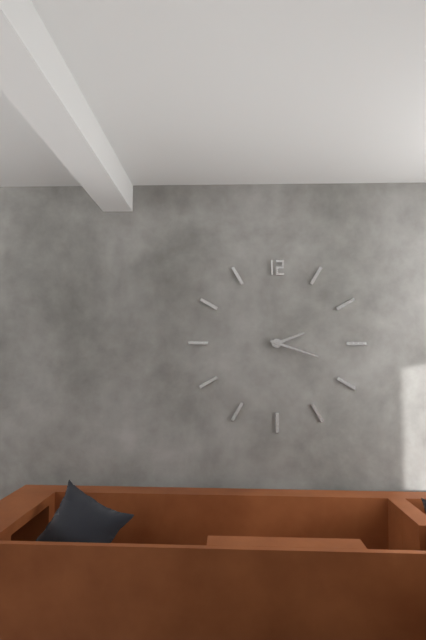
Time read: **2:18**
